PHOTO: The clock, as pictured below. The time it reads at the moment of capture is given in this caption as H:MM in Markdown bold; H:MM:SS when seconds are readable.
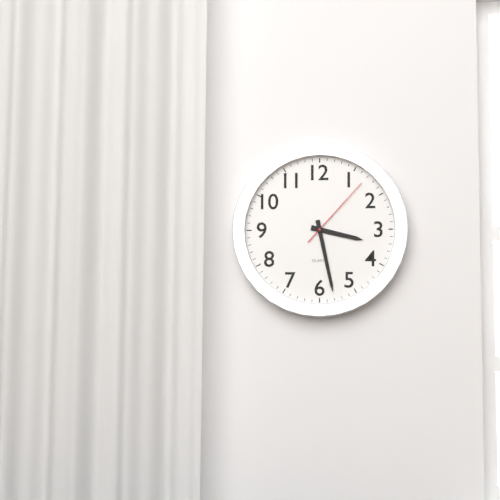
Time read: **3:28:07**
